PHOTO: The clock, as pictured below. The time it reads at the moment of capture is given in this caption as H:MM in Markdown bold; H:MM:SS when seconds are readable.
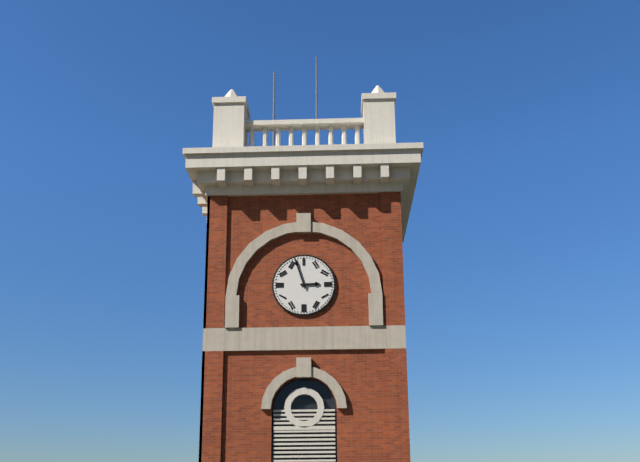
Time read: **2:57**
